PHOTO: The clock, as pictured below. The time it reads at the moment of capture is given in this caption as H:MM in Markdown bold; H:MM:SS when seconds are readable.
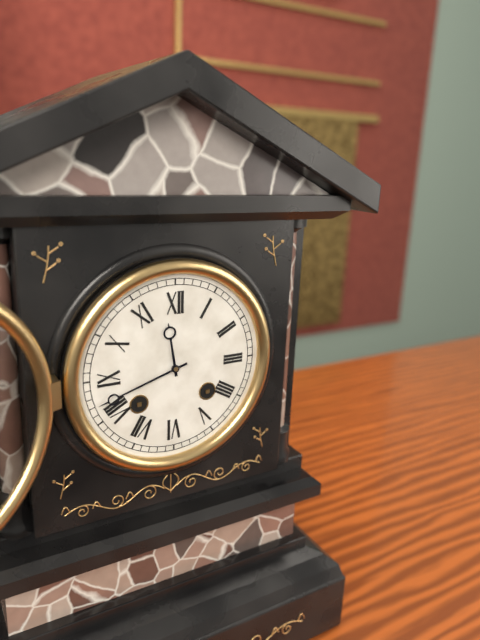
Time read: **11:42**
